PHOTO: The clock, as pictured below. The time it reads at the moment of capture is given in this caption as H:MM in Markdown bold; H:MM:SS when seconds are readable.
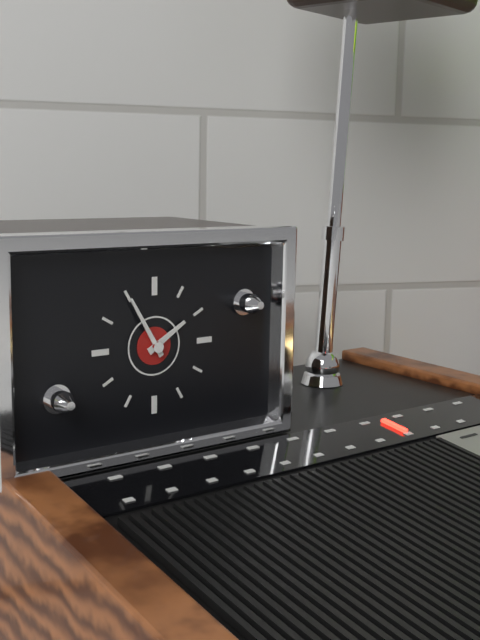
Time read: **1:55**
